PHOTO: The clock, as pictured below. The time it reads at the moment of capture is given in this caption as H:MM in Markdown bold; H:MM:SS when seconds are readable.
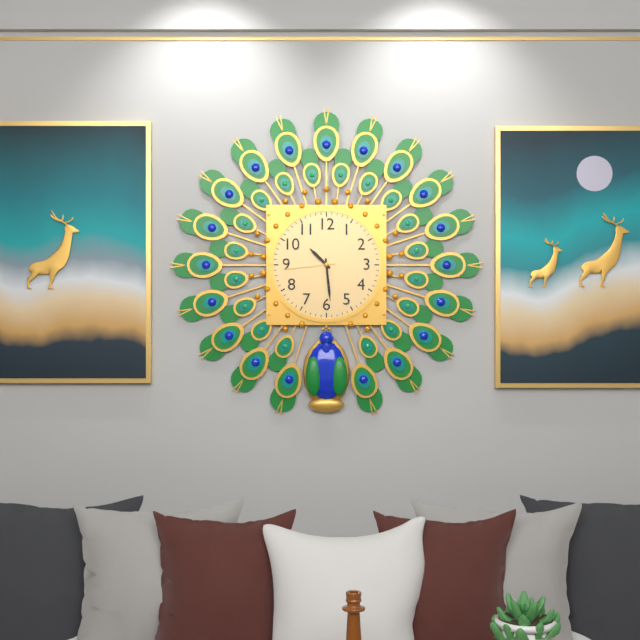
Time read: **10:29:44**
